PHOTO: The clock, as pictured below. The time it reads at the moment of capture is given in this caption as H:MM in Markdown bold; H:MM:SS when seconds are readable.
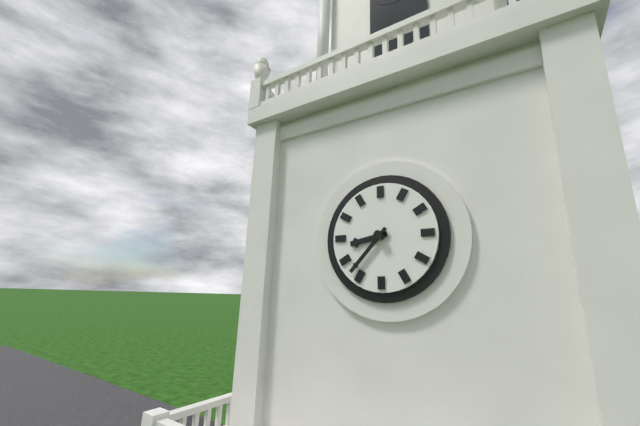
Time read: **8:37**
